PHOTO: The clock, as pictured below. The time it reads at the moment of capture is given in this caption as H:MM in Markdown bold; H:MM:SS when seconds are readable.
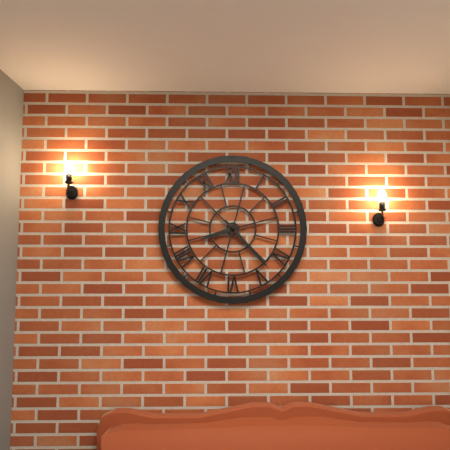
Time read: **8:23**
